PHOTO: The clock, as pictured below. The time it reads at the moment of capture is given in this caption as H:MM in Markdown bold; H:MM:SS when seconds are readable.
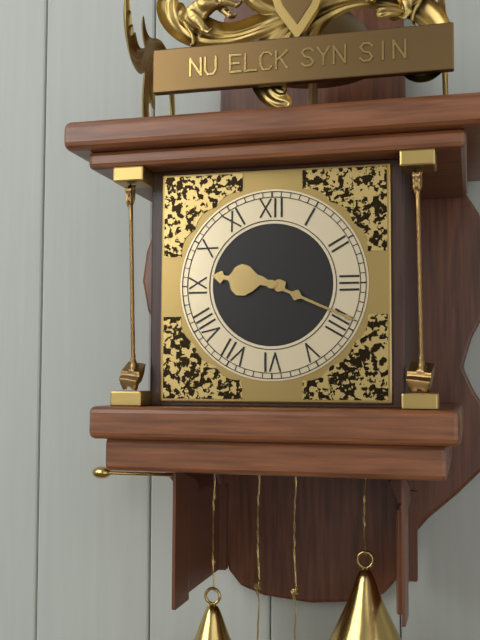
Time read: **9:19**
